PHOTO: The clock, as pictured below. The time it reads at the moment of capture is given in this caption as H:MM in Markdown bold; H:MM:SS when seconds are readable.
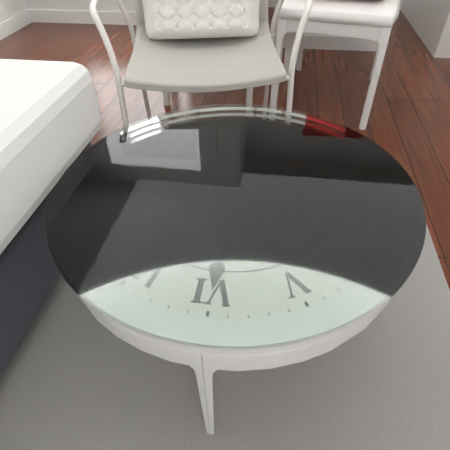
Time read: **11:30**
